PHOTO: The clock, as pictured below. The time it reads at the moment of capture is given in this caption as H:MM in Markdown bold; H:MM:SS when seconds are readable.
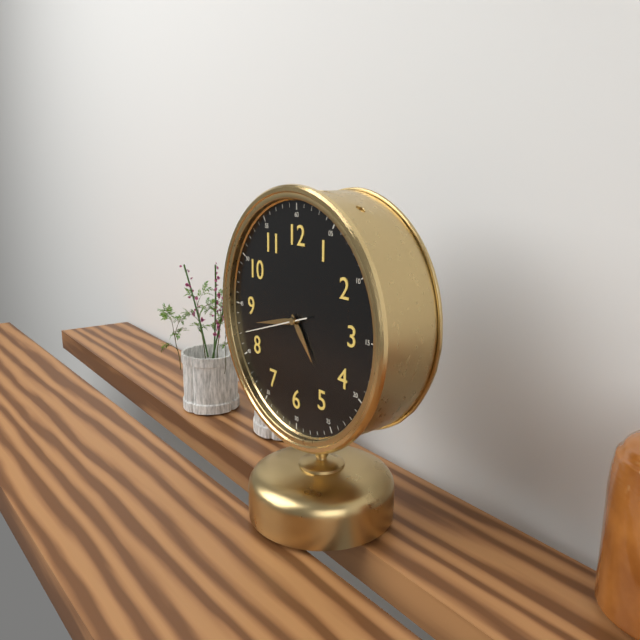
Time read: **4:43:42**
